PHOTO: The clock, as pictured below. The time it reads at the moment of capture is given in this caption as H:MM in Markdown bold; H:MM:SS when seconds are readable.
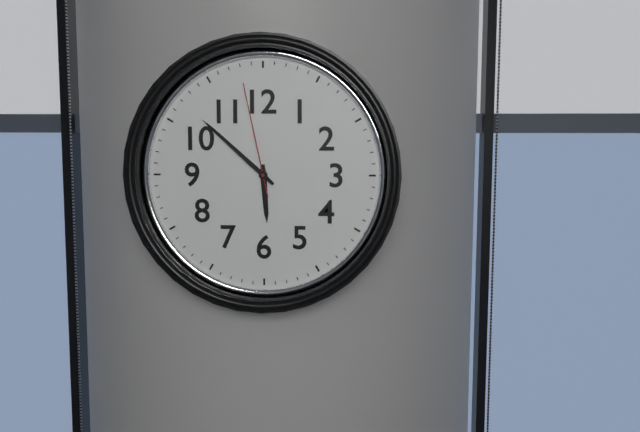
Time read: **5:52:58**
